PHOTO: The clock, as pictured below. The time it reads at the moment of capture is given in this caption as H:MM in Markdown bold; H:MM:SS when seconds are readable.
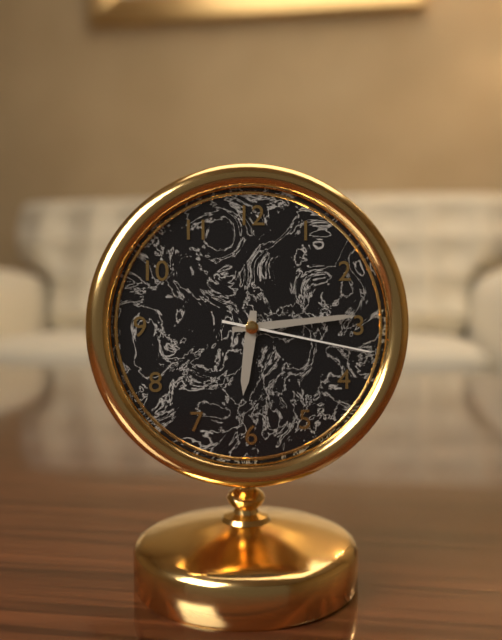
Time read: **6:14:17**
